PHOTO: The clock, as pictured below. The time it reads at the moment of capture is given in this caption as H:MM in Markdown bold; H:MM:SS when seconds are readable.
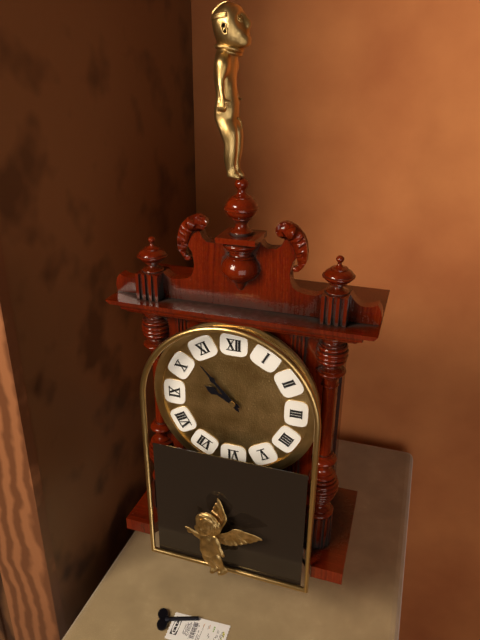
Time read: **9:53**
